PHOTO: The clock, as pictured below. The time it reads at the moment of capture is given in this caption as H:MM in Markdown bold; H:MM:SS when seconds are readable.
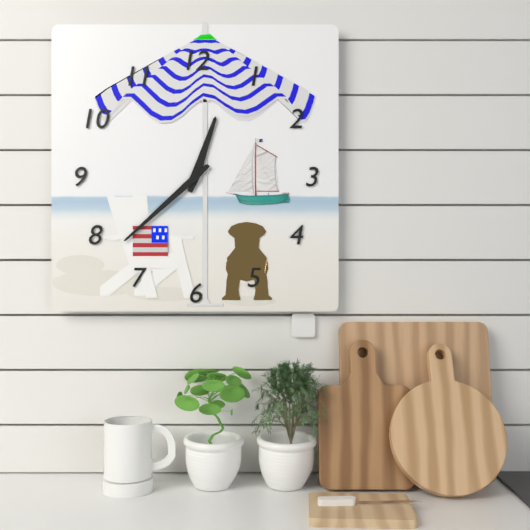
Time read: **12:38**
